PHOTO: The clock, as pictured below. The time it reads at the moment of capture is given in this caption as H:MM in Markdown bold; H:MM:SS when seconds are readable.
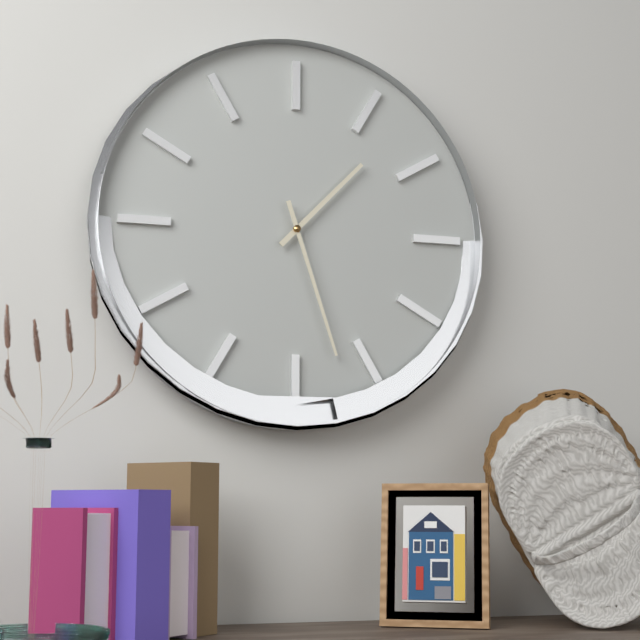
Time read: **1:27**
